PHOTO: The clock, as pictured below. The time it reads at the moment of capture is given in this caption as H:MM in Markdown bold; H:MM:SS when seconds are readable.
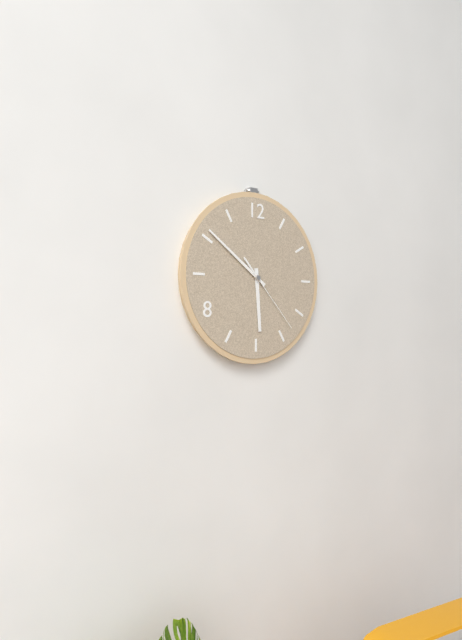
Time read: **5:51:23**
